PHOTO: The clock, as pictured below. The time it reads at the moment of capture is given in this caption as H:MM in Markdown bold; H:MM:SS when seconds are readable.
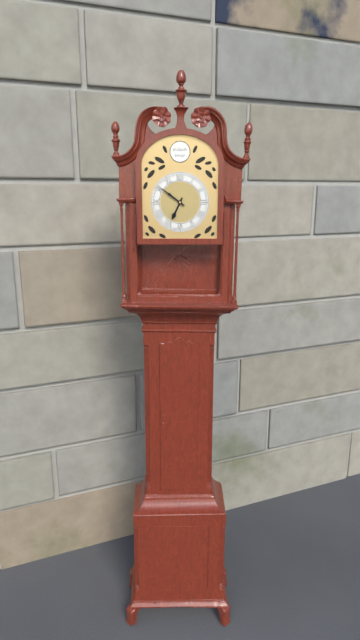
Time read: **6:51**
